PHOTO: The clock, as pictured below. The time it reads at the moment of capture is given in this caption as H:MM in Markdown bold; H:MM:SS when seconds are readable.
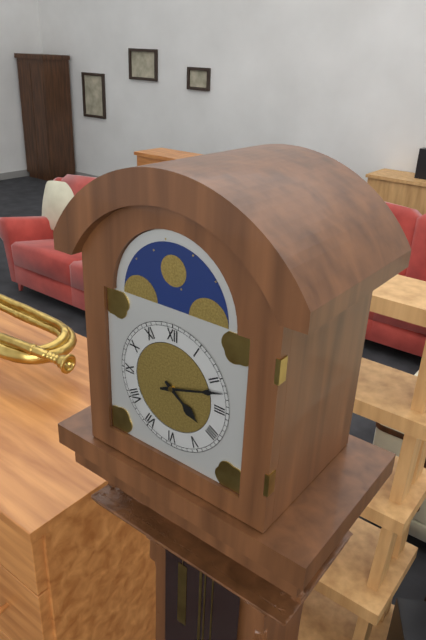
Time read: **4:12**
